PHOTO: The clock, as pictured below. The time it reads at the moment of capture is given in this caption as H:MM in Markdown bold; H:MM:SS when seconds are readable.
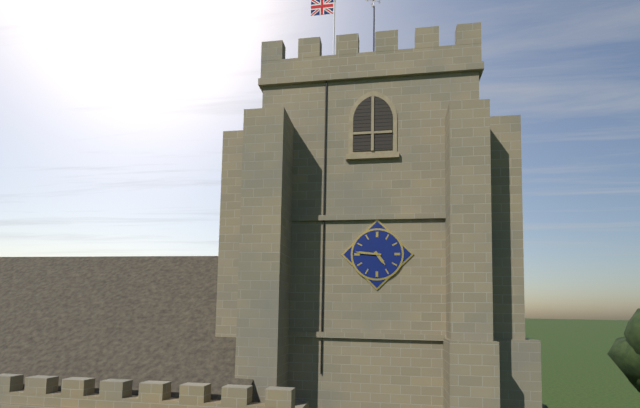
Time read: **4:46**
